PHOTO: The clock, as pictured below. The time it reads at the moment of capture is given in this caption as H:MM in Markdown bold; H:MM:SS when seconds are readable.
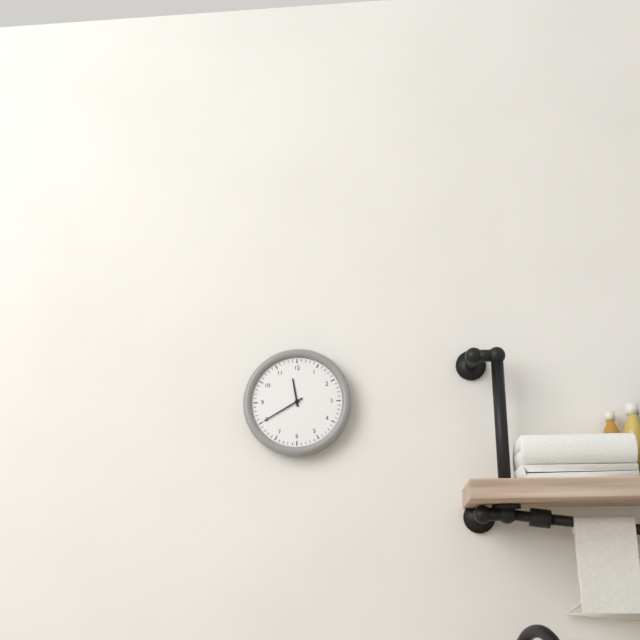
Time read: **11:40**
